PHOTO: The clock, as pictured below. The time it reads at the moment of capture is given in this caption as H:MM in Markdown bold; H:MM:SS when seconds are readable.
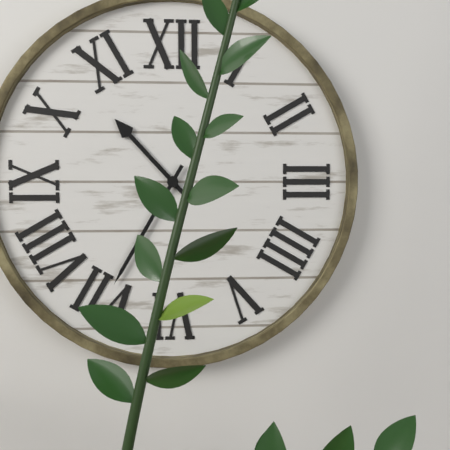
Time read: **10:35**
